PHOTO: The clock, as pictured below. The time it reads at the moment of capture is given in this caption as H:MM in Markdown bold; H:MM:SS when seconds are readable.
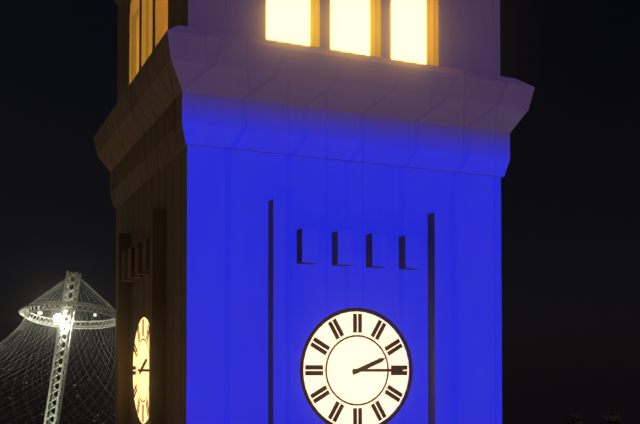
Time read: **2:15**
